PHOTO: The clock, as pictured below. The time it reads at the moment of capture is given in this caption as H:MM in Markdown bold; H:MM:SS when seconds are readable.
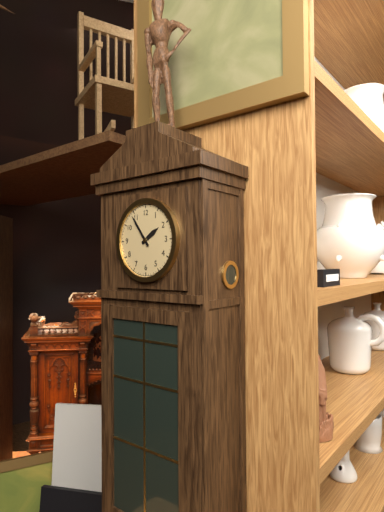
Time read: **1:54**
